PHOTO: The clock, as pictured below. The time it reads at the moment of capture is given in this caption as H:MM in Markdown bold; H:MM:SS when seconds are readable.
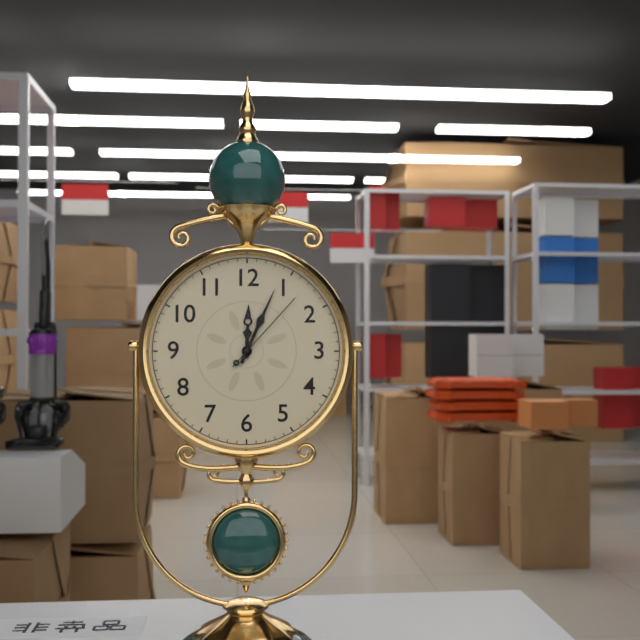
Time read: **12:04:07**
